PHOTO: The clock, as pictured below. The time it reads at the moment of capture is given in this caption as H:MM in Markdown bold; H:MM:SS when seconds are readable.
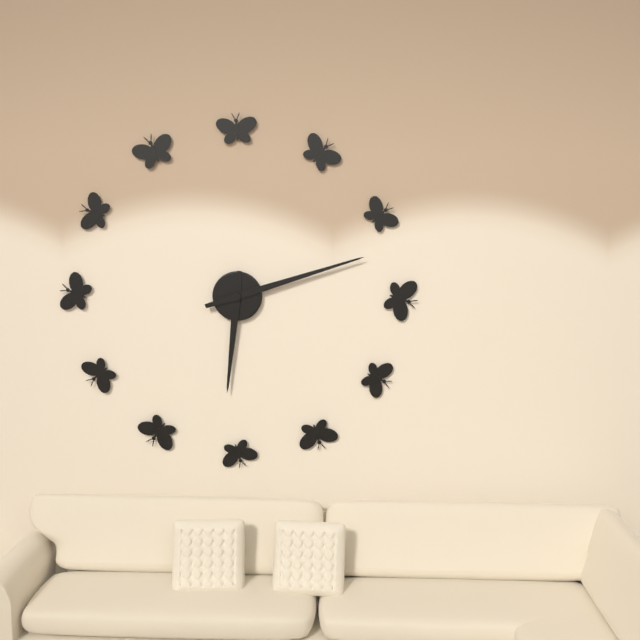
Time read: **6:12**
